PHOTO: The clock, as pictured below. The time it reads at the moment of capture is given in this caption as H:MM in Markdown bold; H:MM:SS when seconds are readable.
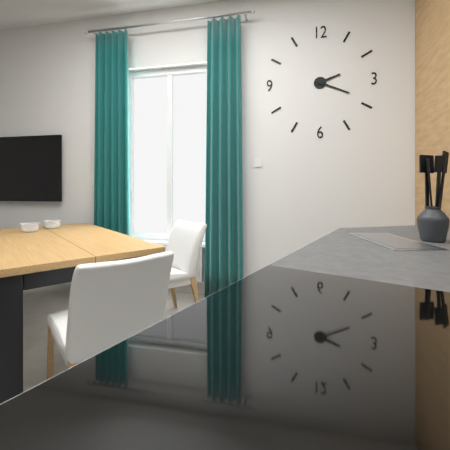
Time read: **2:19**
